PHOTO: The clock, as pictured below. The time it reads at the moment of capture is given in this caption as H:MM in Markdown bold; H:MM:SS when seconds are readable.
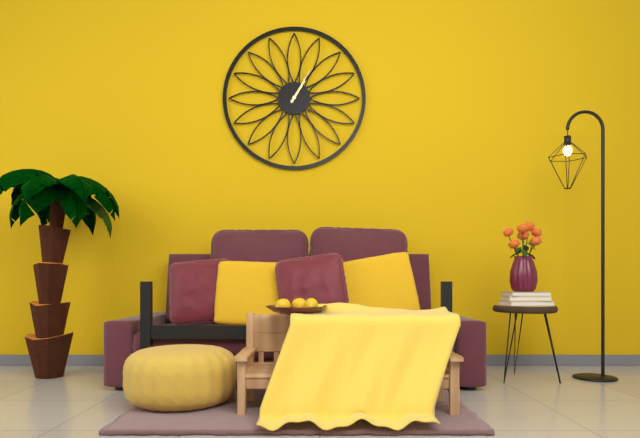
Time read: **1:05**
